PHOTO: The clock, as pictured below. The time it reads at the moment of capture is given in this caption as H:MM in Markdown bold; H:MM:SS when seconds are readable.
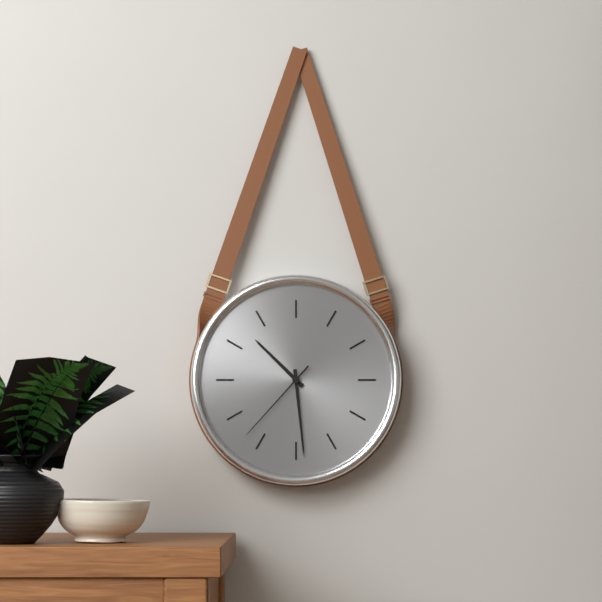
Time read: **10:29:37**
